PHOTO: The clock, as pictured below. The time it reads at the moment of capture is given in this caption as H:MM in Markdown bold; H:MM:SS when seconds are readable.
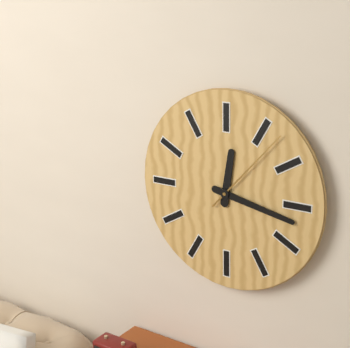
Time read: **12:17:07**
